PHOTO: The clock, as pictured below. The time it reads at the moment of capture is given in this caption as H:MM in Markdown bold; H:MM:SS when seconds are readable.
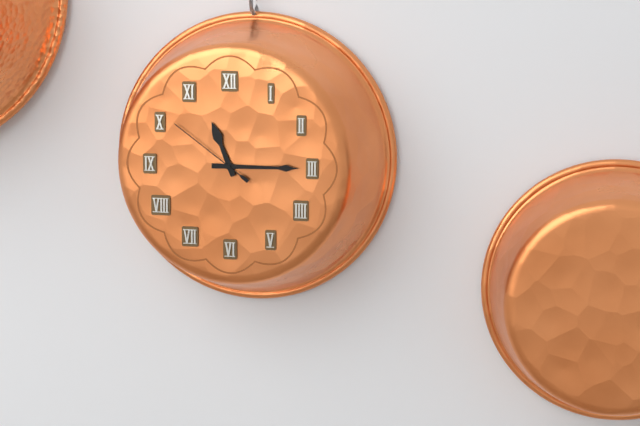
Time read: **11:15:51**
